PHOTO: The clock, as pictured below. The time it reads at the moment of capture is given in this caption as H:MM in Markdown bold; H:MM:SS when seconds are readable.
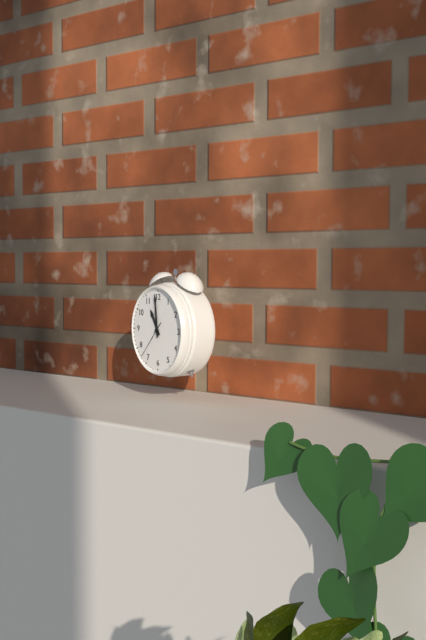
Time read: **10:59**
